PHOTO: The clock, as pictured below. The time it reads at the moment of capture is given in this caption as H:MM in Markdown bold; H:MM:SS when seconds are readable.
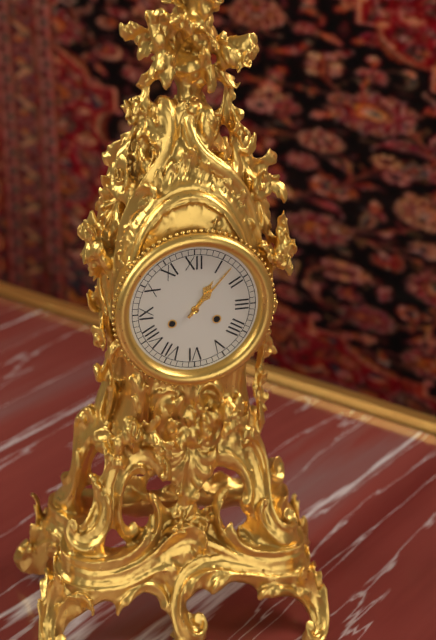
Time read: **1:07**
